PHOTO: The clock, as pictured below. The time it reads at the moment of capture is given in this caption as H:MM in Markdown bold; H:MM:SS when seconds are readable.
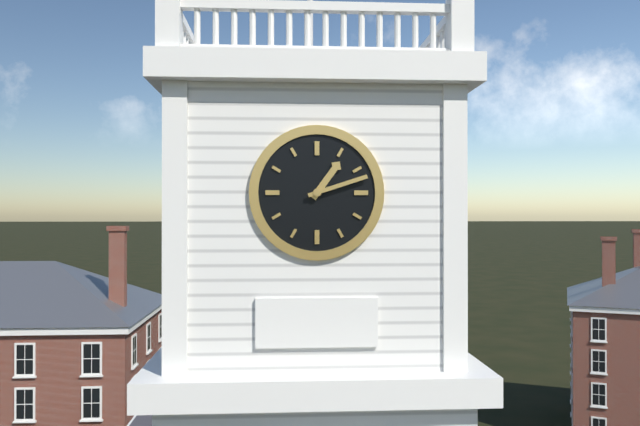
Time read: **1:12**
